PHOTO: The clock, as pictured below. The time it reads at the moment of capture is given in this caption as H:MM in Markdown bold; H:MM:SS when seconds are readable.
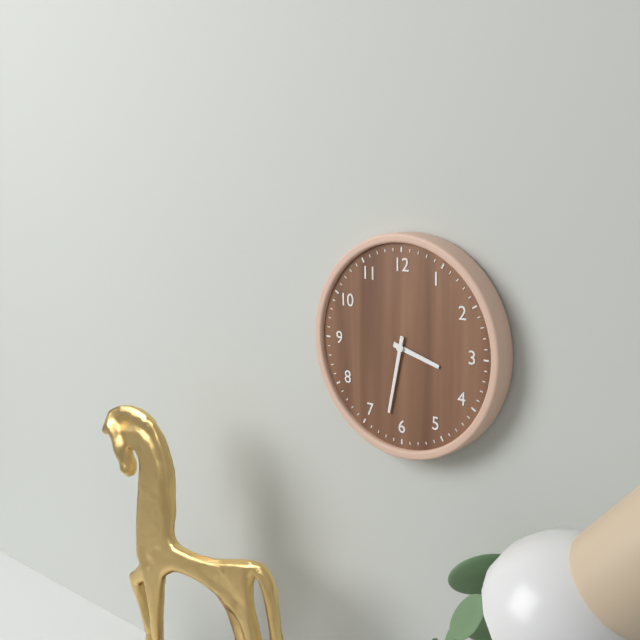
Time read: **3:32**
